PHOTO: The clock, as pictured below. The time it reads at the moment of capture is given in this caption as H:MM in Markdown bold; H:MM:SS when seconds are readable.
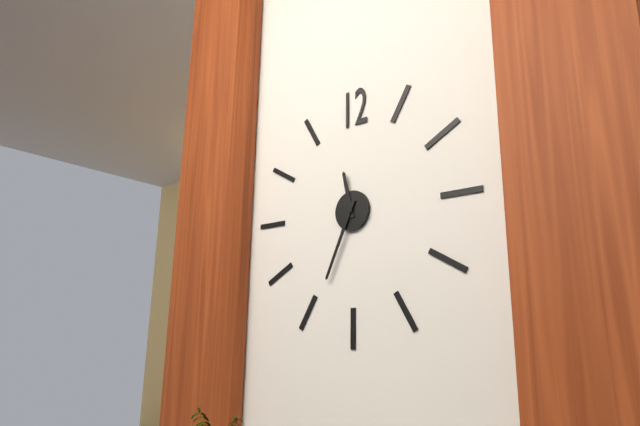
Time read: **11:34**
